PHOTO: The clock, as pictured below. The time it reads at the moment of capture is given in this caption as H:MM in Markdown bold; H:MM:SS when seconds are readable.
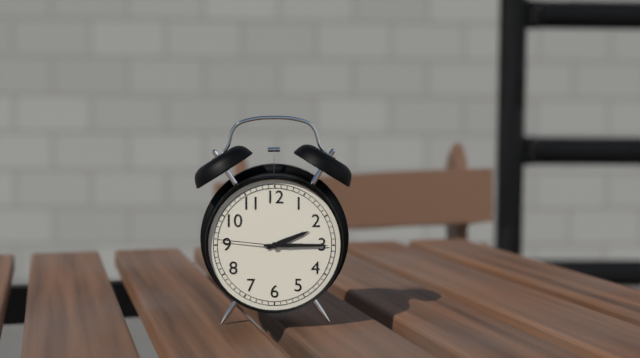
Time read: **2:15:46**
